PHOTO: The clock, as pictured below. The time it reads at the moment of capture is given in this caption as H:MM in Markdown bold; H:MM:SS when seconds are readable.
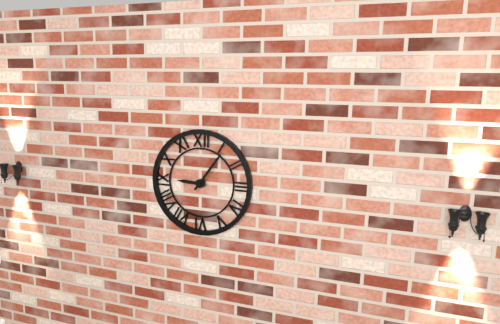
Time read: **9:06**
